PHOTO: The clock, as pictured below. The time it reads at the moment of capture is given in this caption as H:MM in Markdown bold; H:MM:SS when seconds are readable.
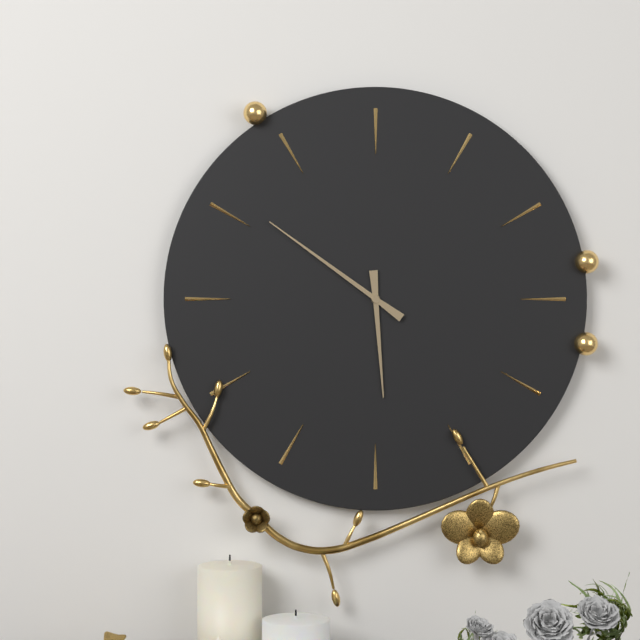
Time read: **5:51**
